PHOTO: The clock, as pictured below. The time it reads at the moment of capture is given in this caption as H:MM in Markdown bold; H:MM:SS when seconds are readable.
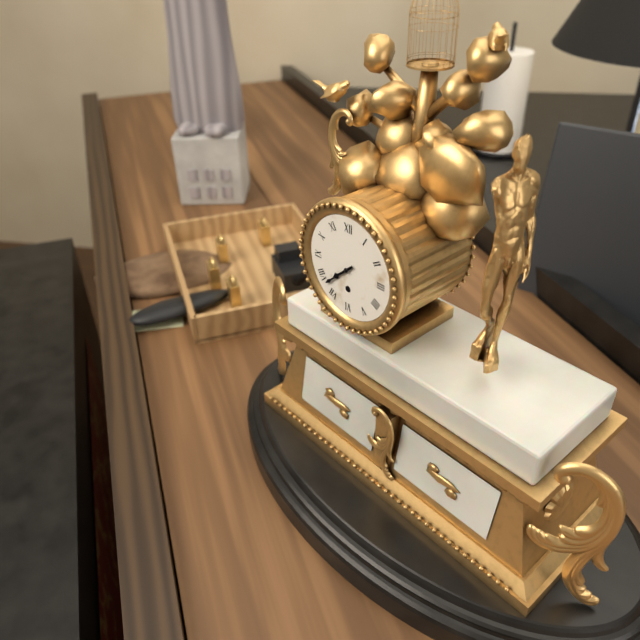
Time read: **7:38**
